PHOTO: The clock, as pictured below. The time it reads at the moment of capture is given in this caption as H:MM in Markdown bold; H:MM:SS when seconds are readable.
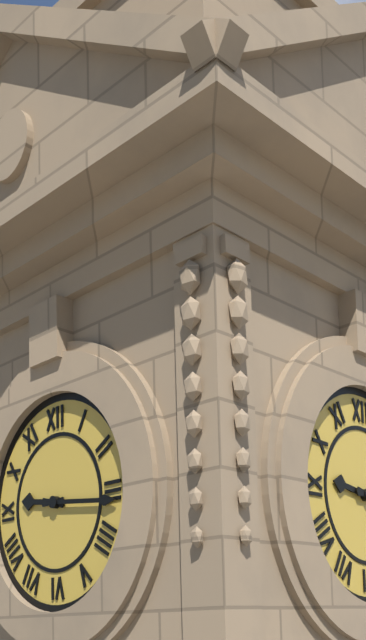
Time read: **9:16**
